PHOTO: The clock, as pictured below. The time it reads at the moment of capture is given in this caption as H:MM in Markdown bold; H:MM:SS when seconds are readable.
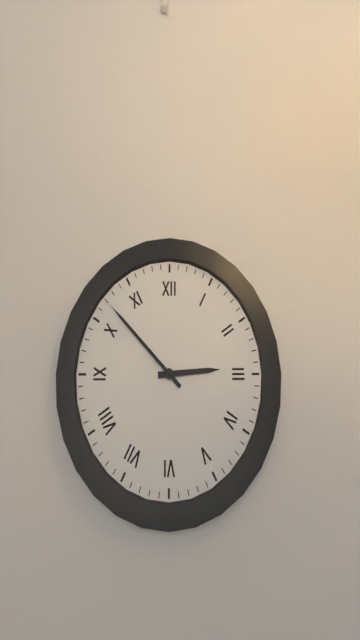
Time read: **2:52**
